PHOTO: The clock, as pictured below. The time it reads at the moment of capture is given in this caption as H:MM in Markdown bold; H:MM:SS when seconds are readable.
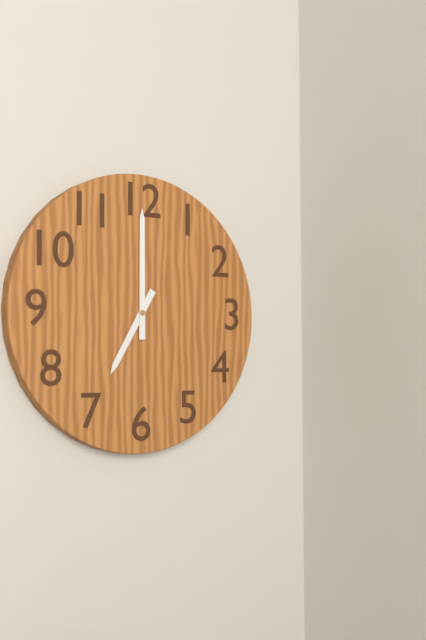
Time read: **7:00**
